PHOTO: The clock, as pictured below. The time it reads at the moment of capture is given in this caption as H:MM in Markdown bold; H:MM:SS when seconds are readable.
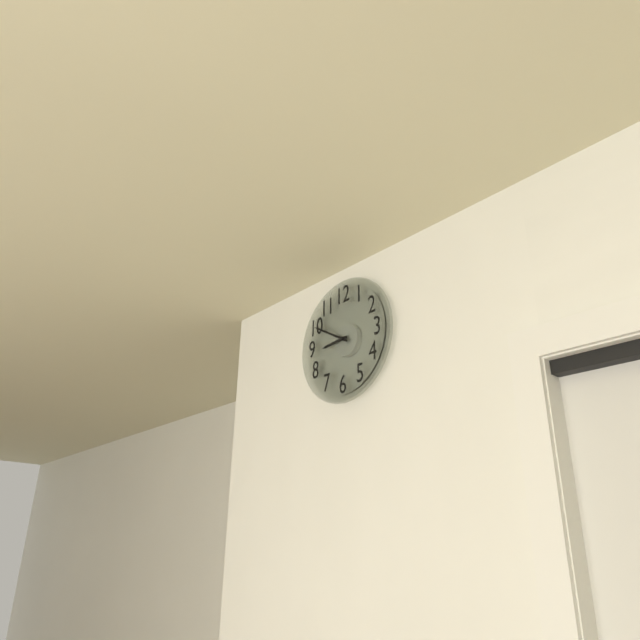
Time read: **8:50**
